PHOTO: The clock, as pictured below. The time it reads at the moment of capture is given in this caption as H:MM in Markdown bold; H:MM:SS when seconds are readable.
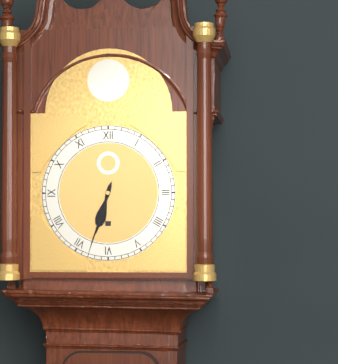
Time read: **6:33**
